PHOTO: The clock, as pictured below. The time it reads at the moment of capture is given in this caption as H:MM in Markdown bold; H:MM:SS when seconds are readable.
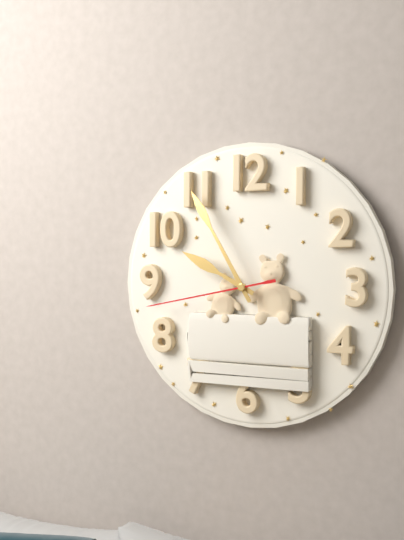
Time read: **9:55:43**
